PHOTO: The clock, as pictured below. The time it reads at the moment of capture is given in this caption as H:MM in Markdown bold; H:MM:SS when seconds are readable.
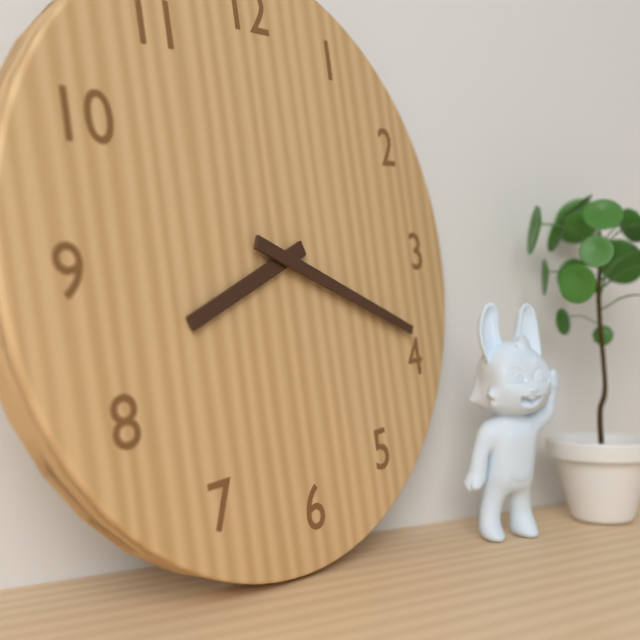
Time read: **8:19**
